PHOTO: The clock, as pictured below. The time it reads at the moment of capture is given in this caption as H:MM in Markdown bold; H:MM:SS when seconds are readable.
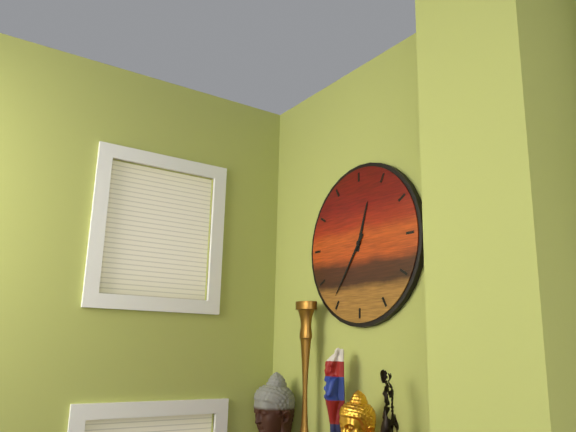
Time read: **12:36**
